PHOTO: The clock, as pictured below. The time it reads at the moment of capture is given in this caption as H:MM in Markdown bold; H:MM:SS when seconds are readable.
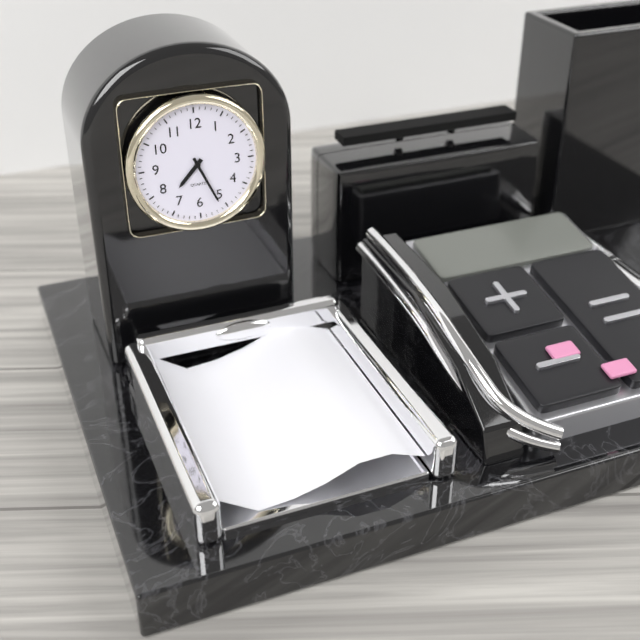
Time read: **7:26**
